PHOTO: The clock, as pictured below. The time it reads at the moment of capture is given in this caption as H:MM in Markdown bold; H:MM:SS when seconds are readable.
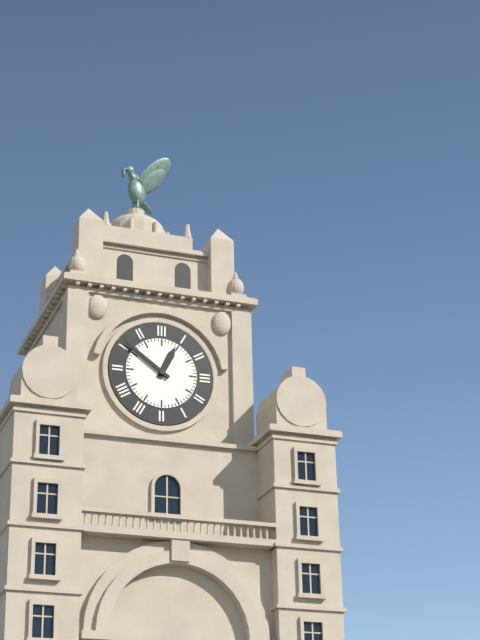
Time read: **12:51**
